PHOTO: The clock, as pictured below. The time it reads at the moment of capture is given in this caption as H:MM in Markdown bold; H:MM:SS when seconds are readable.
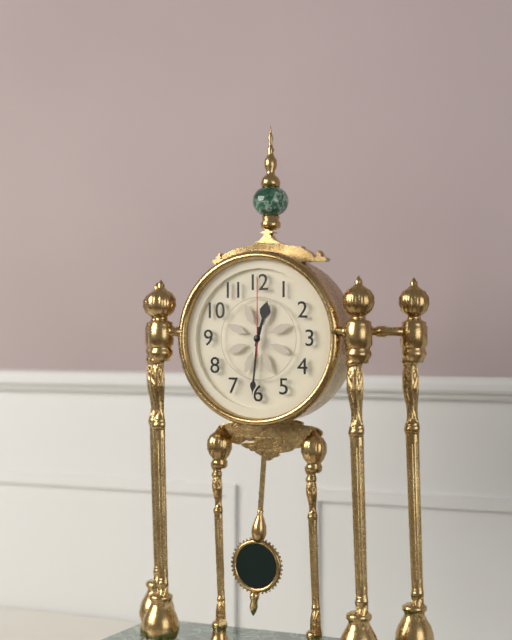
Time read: **12:31:00**
